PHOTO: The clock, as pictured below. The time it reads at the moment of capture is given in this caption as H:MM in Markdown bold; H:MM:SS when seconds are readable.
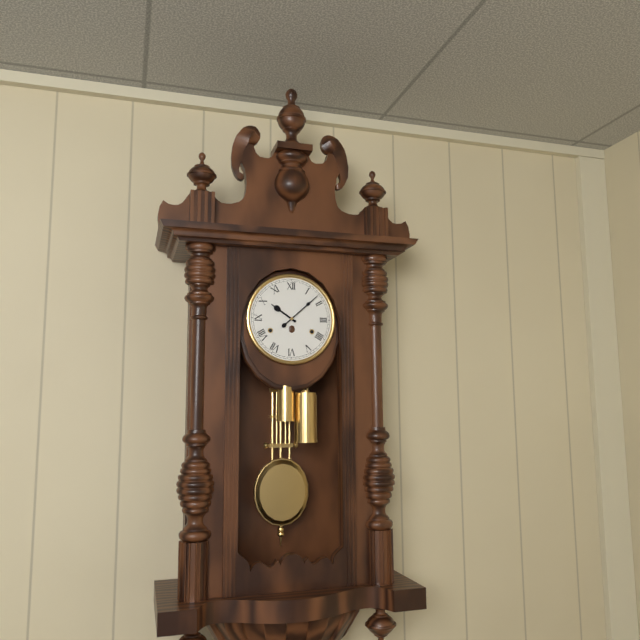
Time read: **10:08**
